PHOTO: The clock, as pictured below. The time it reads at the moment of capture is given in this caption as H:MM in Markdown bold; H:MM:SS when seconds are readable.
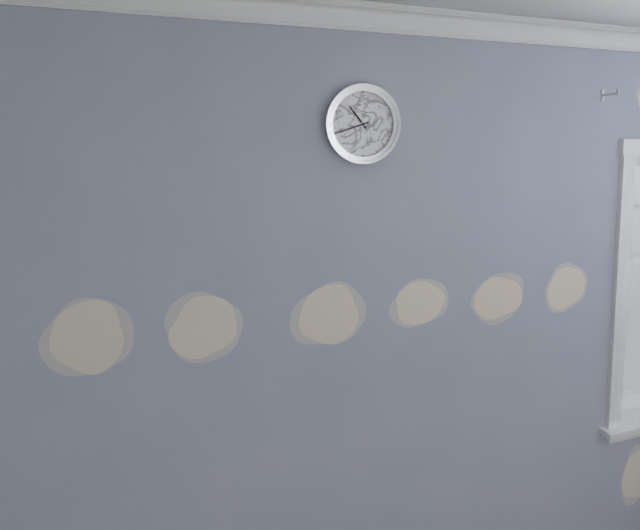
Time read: **10:42**
